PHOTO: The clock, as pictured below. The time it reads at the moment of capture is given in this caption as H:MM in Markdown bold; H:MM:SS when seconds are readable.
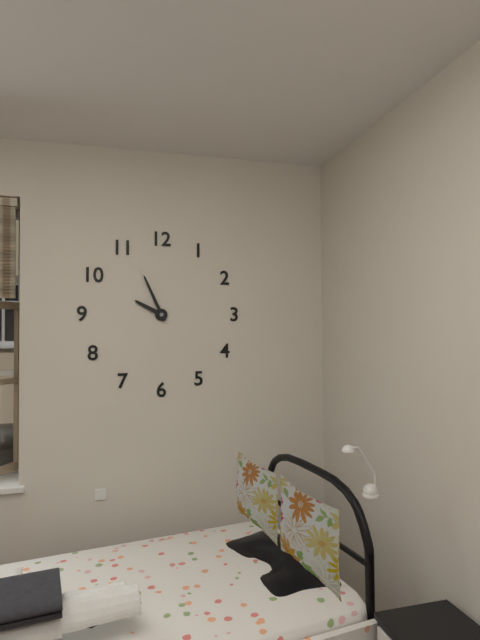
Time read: **9:56**
